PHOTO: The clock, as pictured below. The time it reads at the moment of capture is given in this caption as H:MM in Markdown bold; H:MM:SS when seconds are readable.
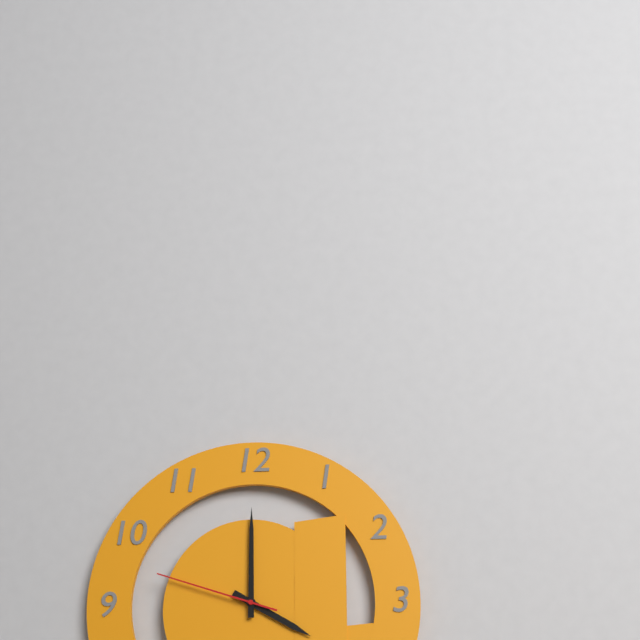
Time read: **4:00:48**
